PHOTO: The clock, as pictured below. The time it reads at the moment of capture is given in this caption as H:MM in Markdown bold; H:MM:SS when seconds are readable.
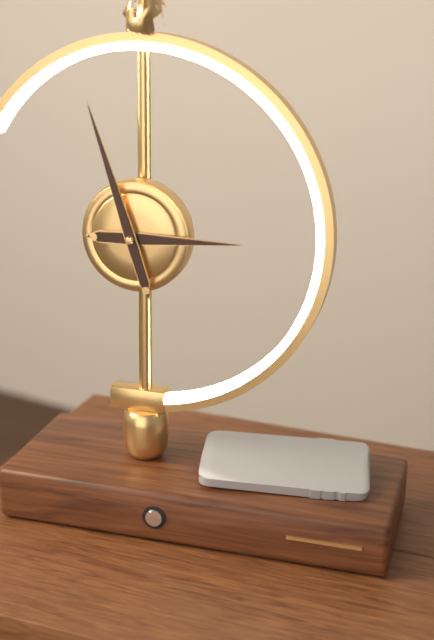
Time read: **2:57**
